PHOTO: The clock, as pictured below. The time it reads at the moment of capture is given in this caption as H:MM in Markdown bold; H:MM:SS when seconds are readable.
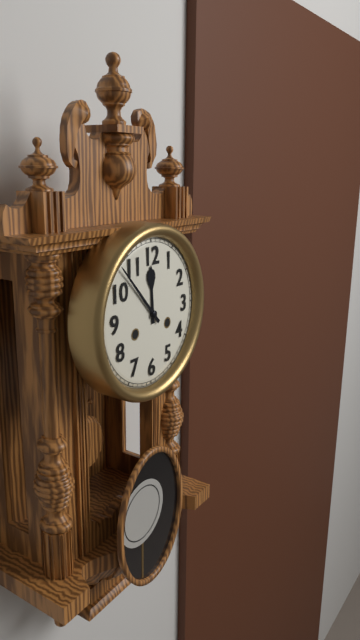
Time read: **11:53**
